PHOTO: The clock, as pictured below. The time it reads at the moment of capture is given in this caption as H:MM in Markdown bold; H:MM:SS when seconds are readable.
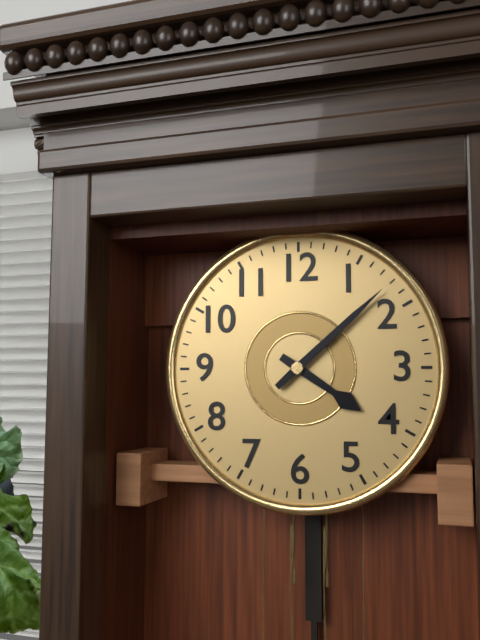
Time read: **4:08**
